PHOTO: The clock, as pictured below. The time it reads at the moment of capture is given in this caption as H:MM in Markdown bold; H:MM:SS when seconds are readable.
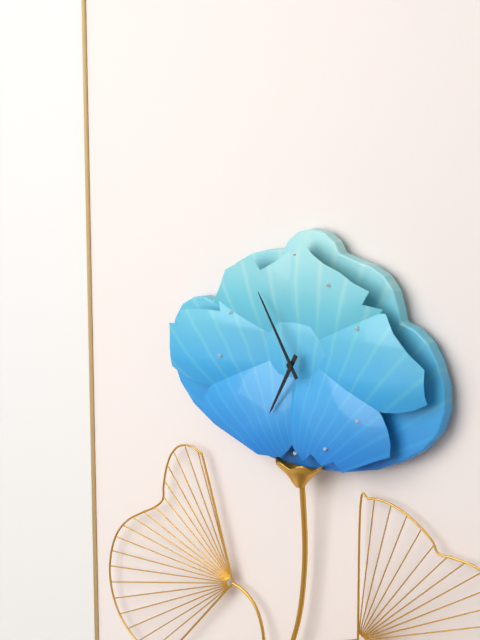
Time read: **6:55**
